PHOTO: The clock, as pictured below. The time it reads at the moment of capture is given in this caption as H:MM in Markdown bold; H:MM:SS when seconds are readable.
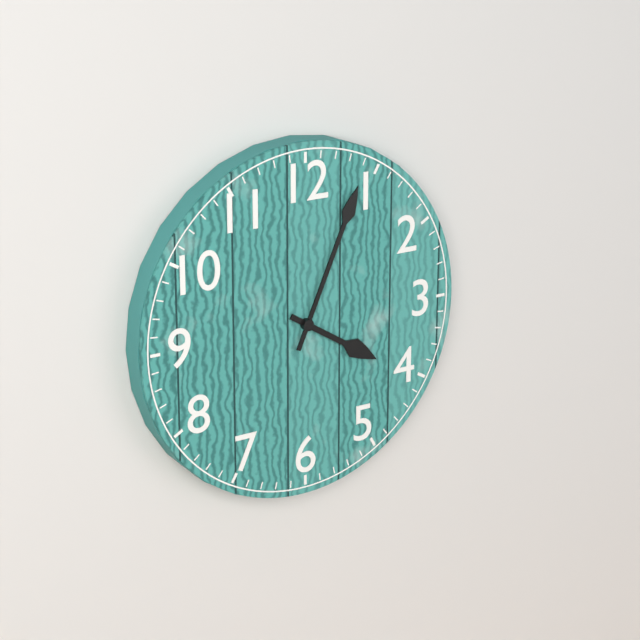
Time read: **4:04**
